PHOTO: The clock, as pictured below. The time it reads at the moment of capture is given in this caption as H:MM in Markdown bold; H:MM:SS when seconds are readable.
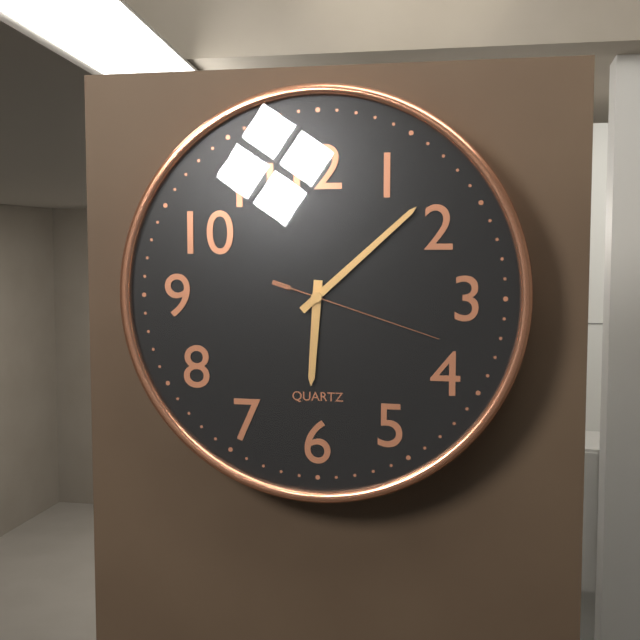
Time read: **6:08:18**
